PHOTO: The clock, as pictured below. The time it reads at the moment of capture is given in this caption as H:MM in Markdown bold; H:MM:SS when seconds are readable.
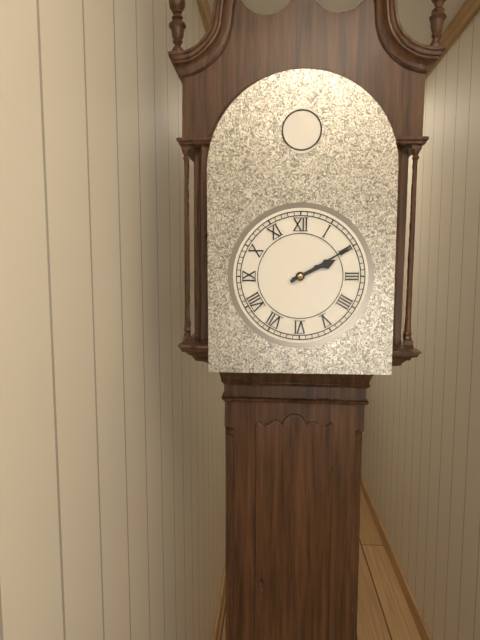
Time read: **2:10**
